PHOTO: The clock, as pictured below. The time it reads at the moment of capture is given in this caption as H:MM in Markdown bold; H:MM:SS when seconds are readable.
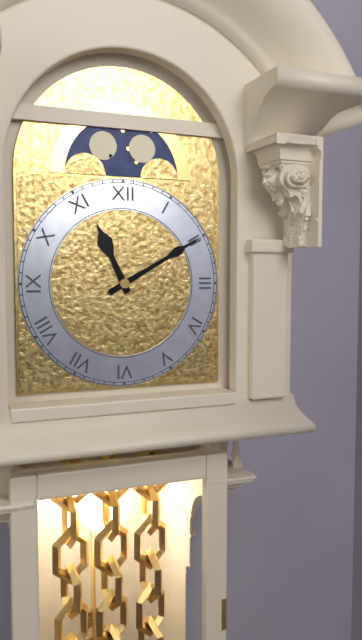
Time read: **11:10**
